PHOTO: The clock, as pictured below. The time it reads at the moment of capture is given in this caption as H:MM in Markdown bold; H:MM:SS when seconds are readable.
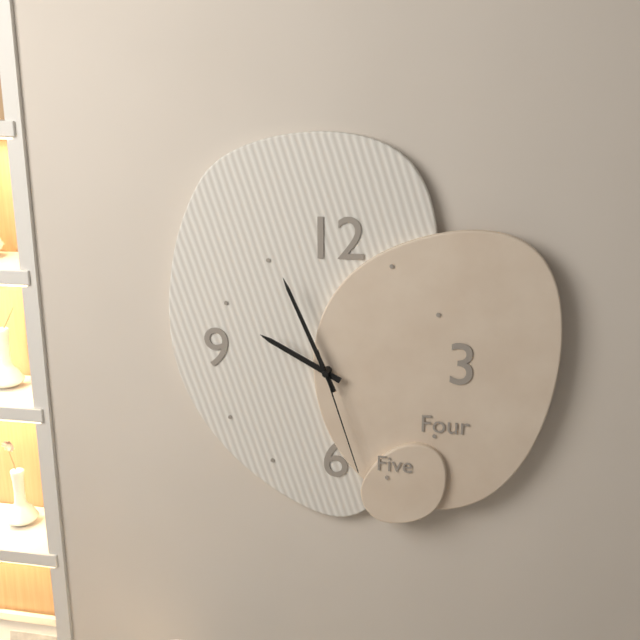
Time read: **9:56:27**
